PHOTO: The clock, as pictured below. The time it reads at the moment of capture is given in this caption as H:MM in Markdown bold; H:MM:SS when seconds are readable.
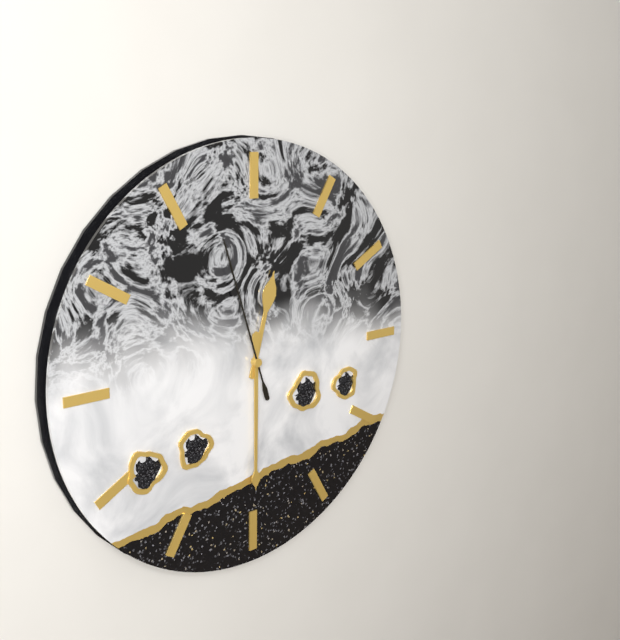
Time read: **12:30:57**
